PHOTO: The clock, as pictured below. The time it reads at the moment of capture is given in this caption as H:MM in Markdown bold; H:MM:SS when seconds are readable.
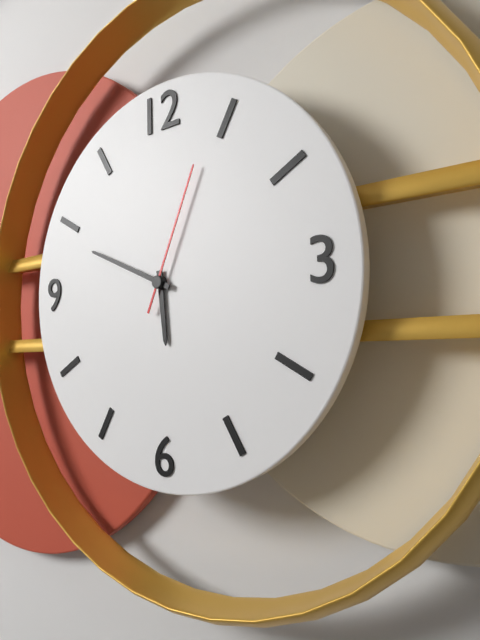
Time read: **5:49:04**
